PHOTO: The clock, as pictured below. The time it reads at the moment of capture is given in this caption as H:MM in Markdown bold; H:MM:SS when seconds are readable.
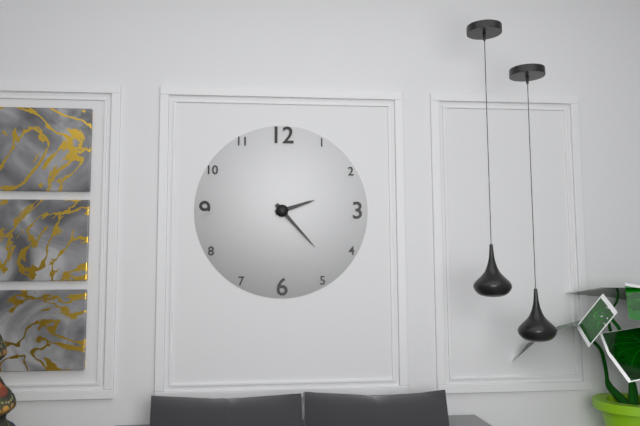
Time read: **2:23**
